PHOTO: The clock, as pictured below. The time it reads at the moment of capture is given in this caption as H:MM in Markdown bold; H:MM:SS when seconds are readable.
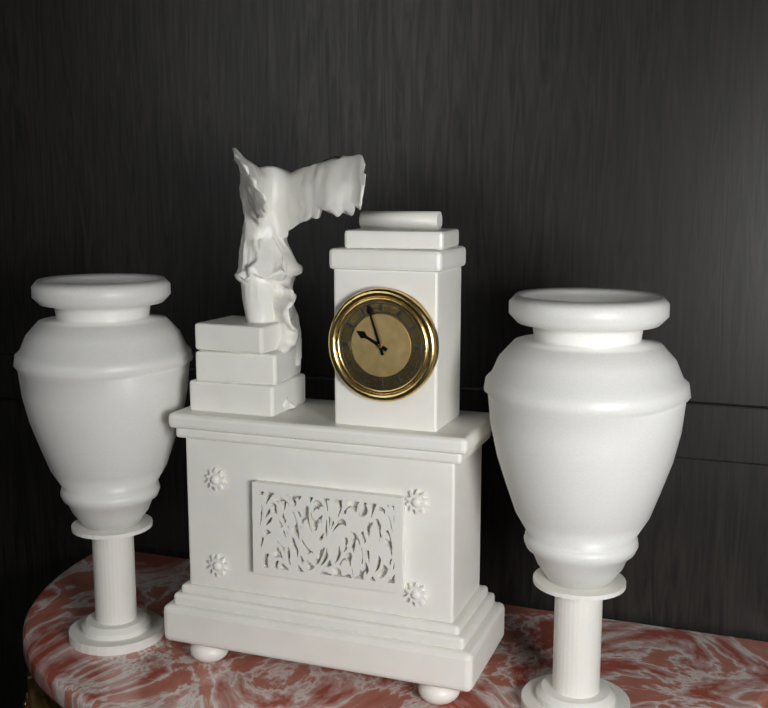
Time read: **9:57**
